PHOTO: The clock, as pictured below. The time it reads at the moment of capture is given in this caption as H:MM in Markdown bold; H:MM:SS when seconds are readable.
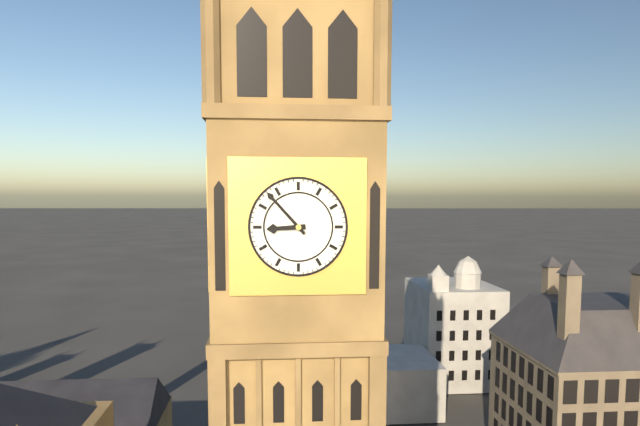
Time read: **8:53**
